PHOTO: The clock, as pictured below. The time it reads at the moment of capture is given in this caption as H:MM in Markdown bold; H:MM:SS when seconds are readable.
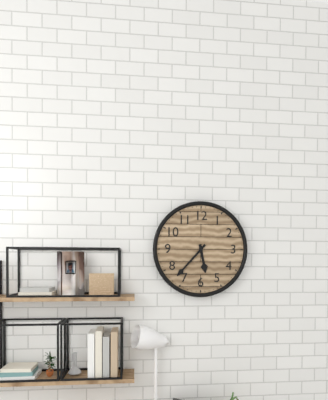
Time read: **5:37**
